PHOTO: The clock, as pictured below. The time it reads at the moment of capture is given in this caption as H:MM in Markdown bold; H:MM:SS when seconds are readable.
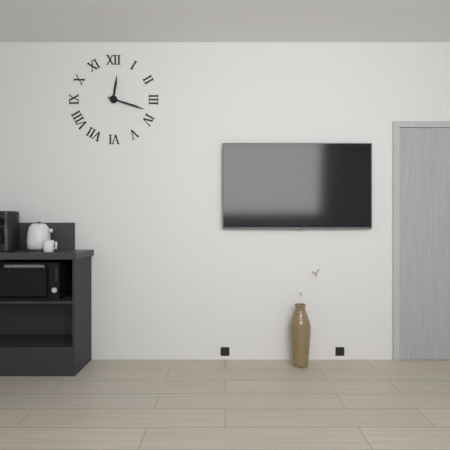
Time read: **12:18**
